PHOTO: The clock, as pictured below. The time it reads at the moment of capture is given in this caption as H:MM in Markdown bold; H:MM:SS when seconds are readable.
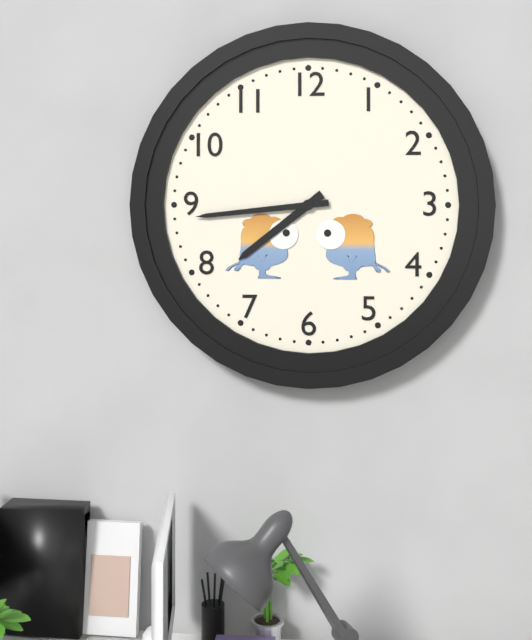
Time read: **7:44**
